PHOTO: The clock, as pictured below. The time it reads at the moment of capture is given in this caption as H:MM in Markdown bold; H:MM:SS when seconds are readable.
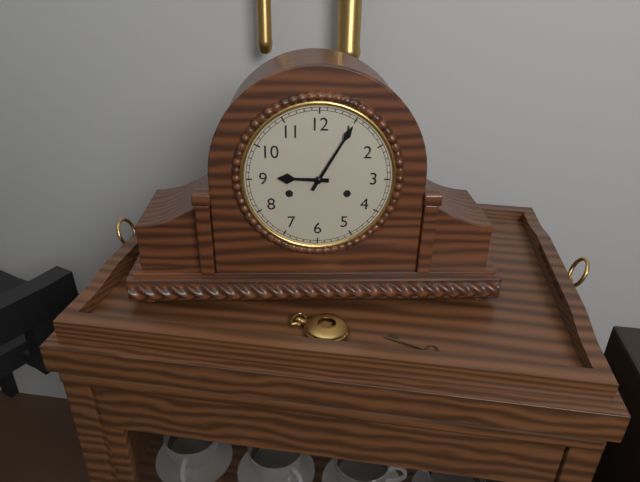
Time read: **9:05**
